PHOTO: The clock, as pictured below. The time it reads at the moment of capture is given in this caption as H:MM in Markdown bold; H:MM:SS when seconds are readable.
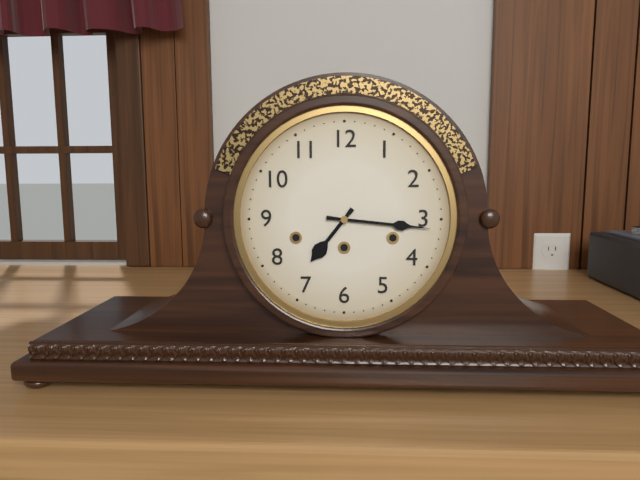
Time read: **7:16**
